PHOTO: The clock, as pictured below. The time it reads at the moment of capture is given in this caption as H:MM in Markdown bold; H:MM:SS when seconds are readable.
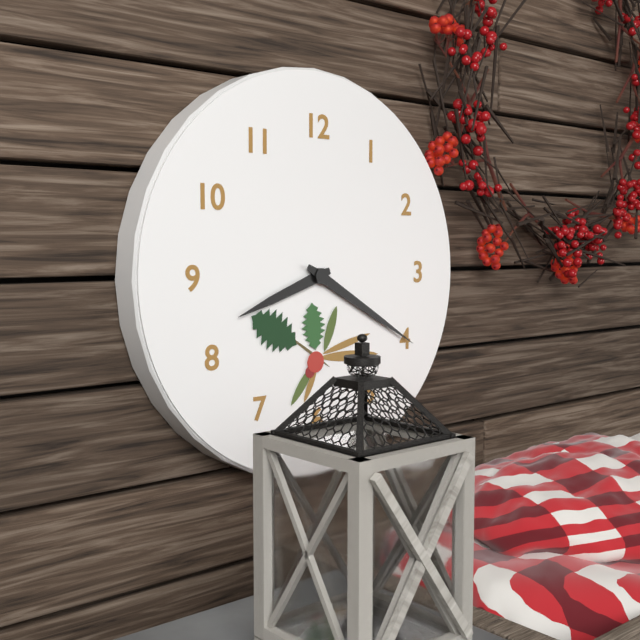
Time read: **8:20**
